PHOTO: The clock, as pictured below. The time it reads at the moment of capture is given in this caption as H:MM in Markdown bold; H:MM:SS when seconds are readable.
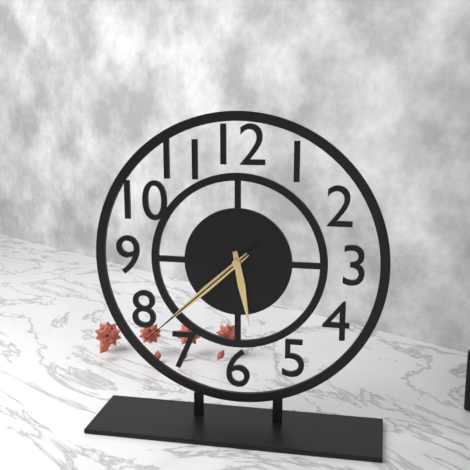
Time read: **5:38:38**
